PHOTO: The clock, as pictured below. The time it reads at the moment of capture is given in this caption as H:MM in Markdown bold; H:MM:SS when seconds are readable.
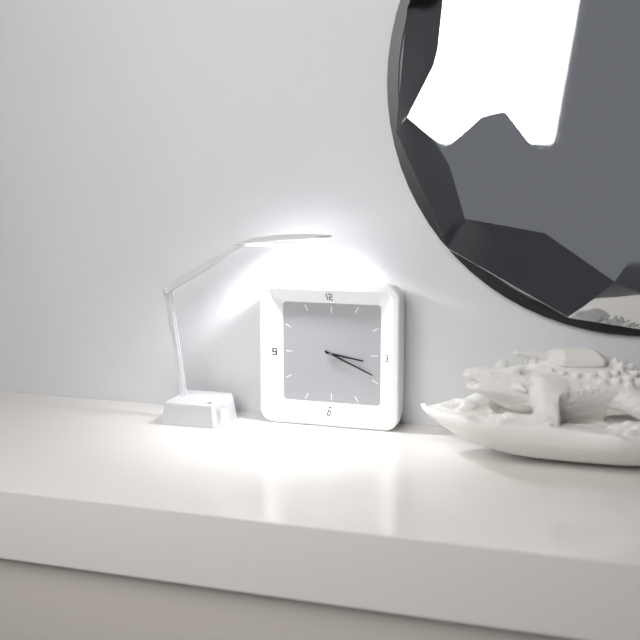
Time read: **3:19**
